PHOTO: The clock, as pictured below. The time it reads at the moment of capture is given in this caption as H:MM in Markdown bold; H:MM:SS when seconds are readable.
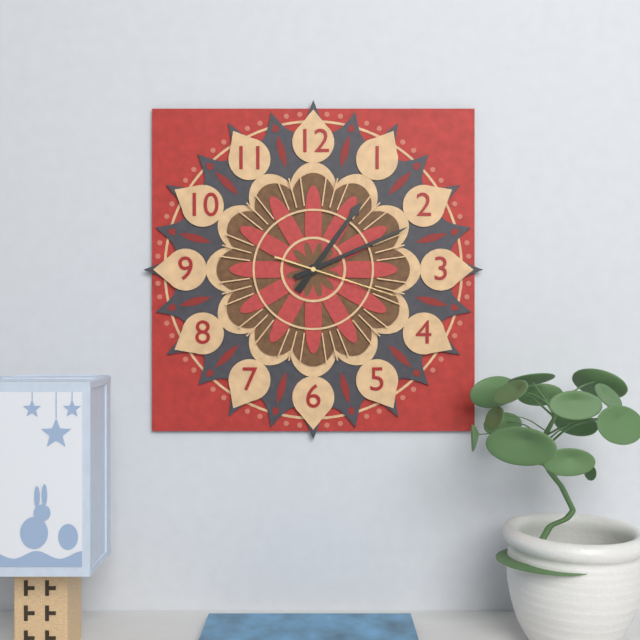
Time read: **1:11:18**
